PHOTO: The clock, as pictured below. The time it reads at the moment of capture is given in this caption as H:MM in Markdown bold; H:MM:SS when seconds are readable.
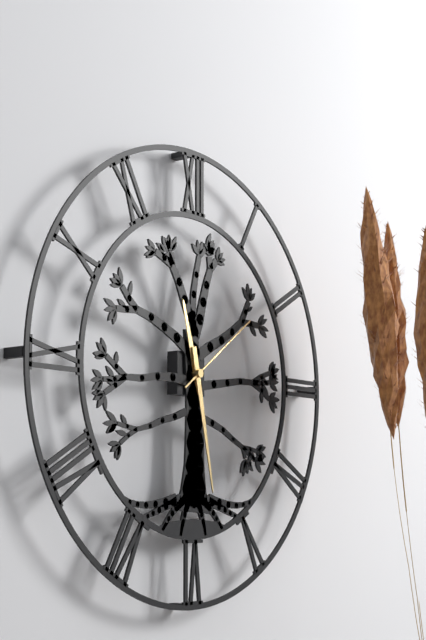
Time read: **11:28:09**
